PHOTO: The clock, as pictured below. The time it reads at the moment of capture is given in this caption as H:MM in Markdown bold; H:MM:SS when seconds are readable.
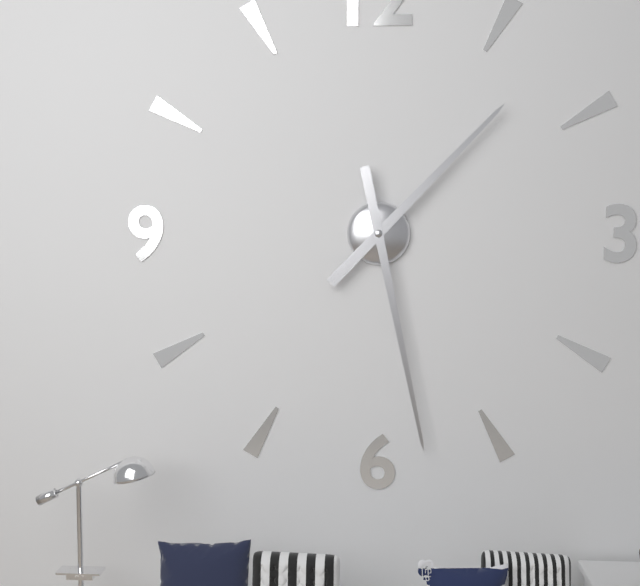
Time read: **1:28**
